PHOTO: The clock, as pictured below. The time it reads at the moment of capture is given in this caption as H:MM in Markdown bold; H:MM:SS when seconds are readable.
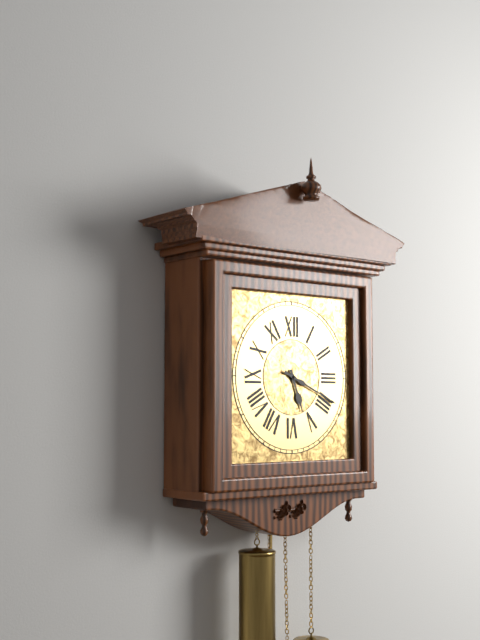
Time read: **5:19**
